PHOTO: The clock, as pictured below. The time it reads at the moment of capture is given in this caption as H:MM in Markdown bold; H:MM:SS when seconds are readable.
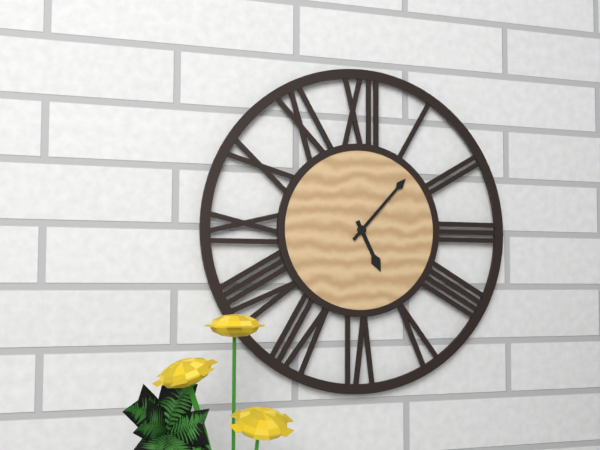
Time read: **5:07**
